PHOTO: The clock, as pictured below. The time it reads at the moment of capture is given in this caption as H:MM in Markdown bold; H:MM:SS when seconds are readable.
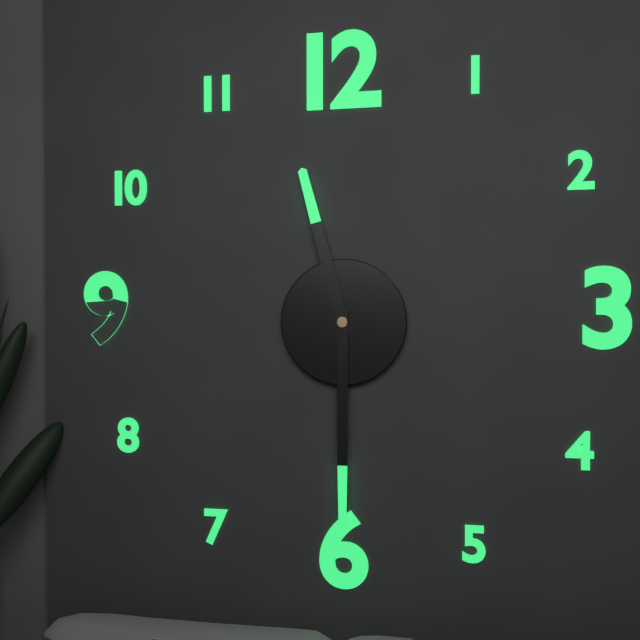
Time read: **11:30**
